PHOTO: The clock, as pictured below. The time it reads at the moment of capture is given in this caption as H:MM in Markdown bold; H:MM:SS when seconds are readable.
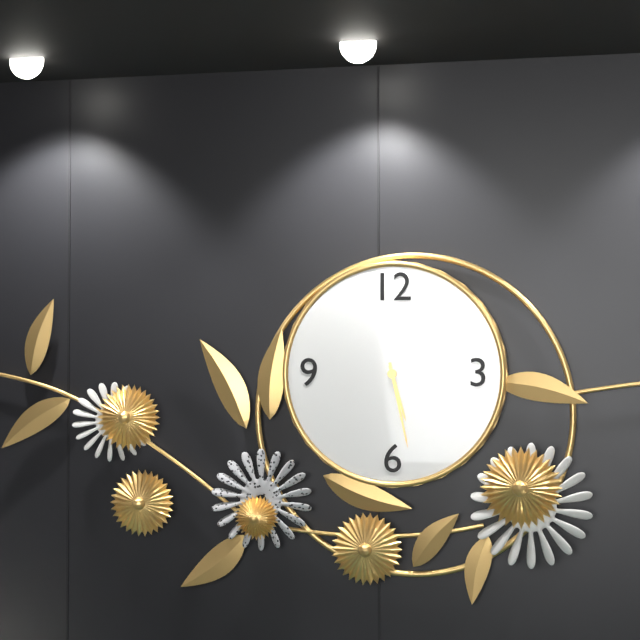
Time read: **5:28**
